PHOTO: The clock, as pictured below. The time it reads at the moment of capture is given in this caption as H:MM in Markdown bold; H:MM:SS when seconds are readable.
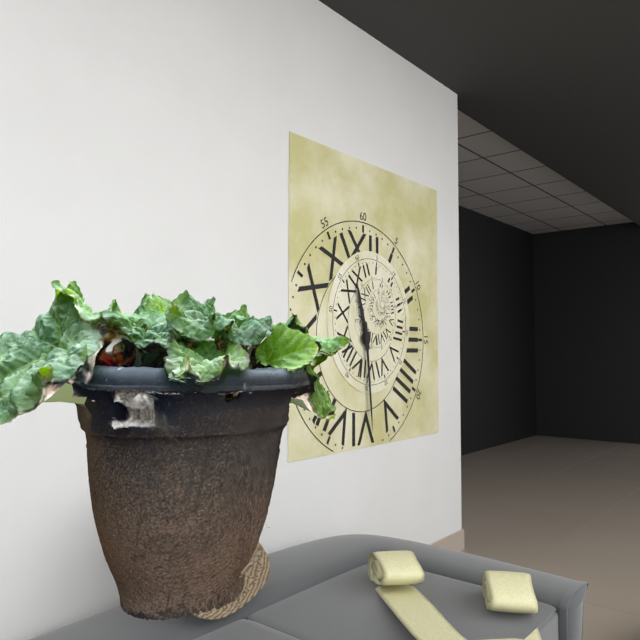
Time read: **11:29**
